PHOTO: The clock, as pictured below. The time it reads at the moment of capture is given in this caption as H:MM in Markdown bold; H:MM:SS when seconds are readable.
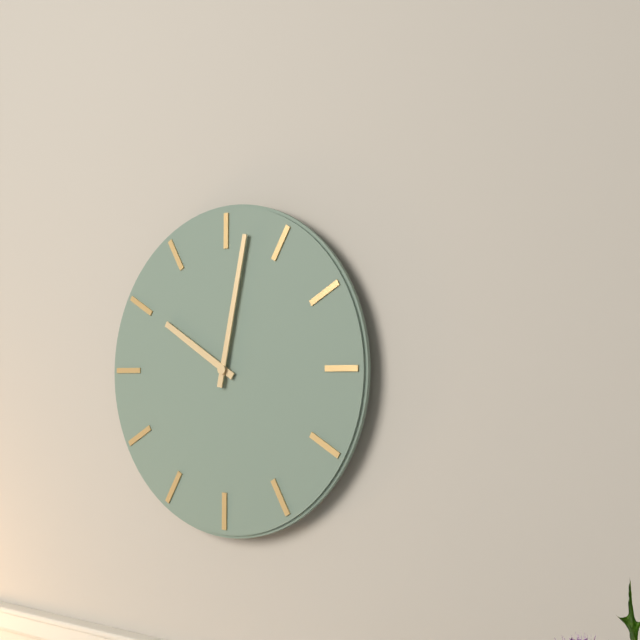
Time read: **10:02**
